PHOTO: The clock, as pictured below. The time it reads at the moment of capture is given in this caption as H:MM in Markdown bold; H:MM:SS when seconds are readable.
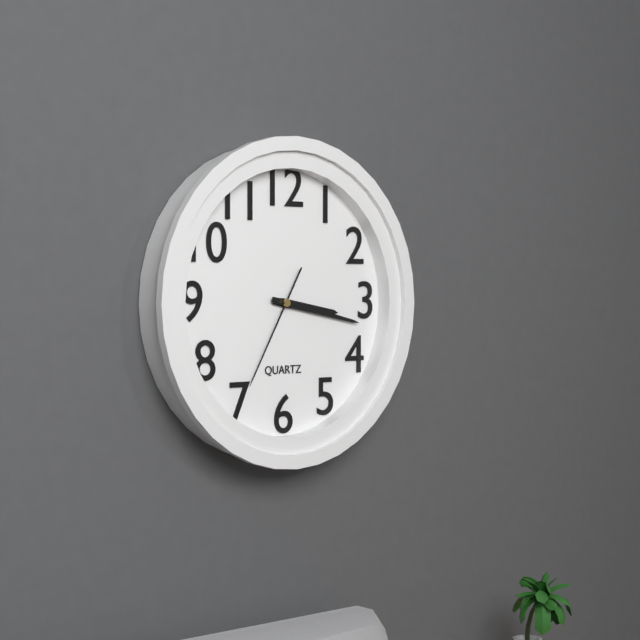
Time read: **3:17:35**
